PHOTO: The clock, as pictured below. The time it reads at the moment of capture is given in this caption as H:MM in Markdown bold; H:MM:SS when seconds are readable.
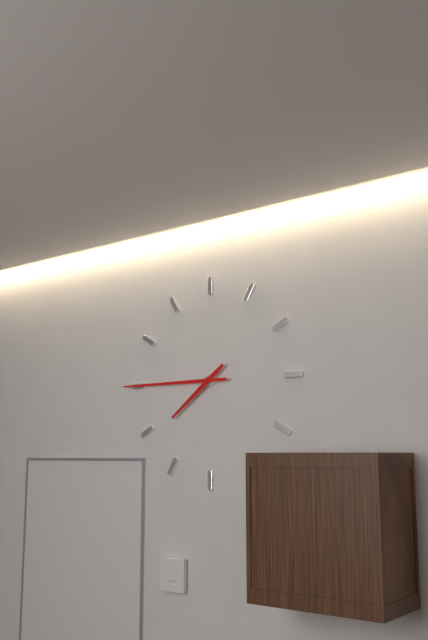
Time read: **7:45**
